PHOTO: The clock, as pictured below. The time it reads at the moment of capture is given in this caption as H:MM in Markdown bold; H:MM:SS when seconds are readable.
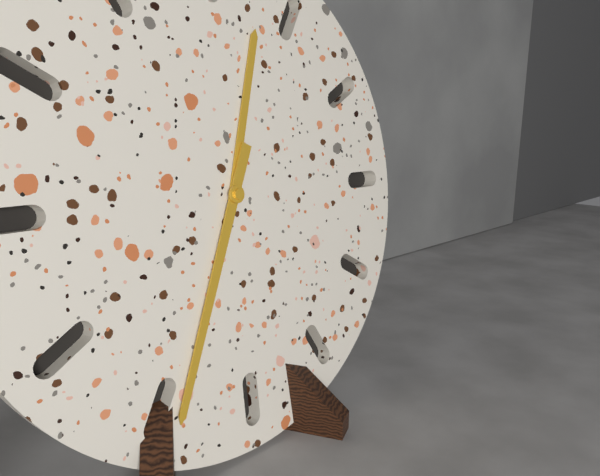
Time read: **12:34**
